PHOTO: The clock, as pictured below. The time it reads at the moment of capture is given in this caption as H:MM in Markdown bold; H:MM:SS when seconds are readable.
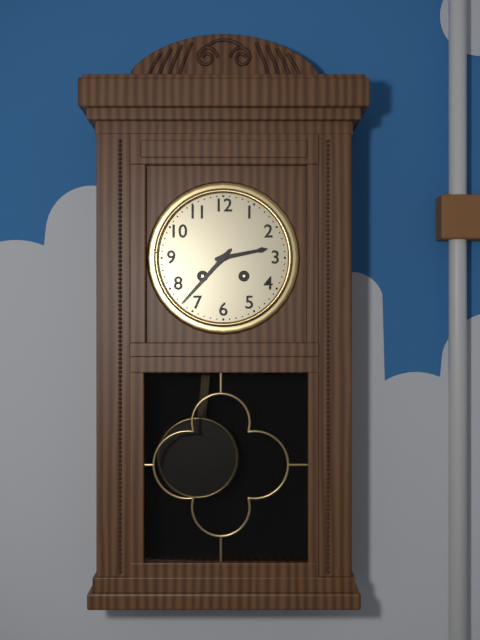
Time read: **2:37**
